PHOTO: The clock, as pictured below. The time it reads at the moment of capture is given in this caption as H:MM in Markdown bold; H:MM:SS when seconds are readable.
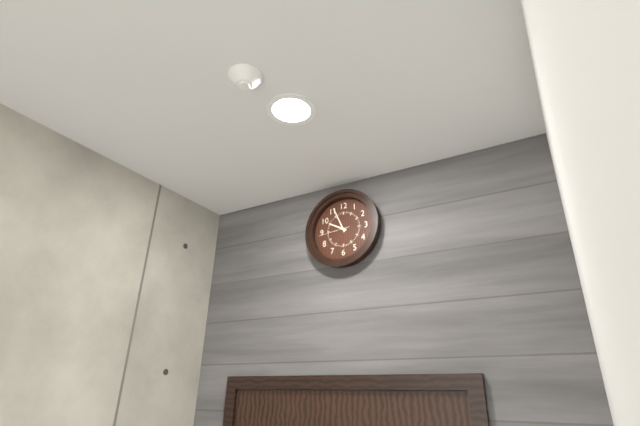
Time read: **9:56**
